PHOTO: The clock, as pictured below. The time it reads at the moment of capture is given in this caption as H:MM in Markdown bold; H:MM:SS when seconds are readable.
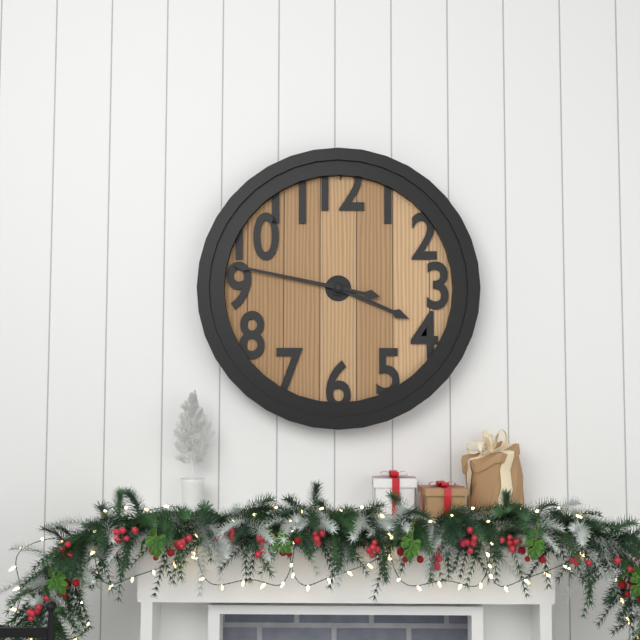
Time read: **3:47**
